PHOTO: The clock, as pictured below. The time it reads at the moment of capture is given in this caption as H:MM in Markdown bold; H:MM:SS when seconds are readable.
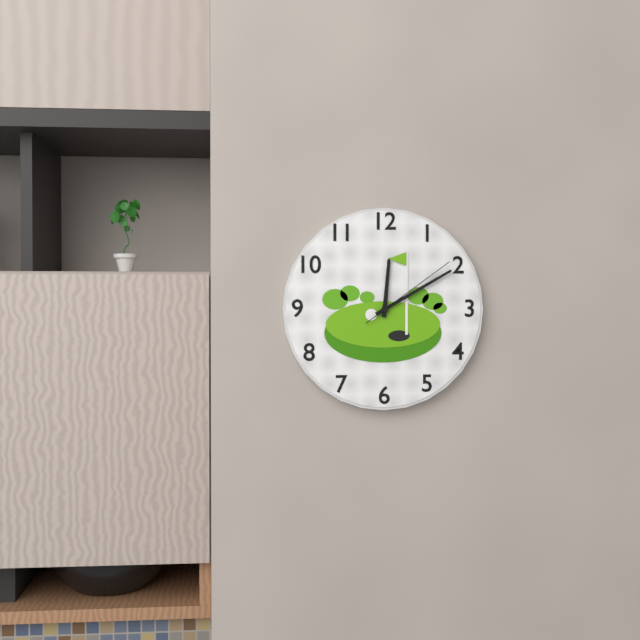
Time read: **12:10:09**
